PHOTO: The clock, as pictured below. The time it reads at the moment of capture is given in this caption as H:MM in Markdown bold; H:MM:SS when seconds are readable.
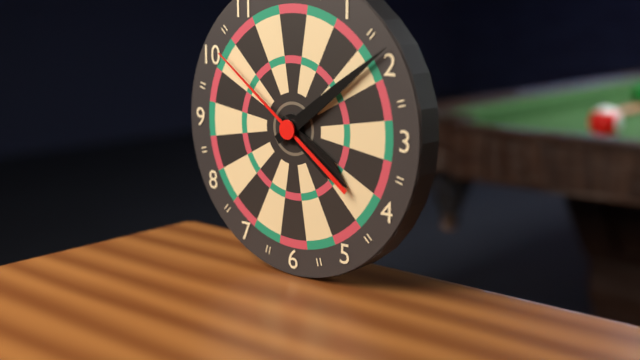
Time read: **4:09:51**
